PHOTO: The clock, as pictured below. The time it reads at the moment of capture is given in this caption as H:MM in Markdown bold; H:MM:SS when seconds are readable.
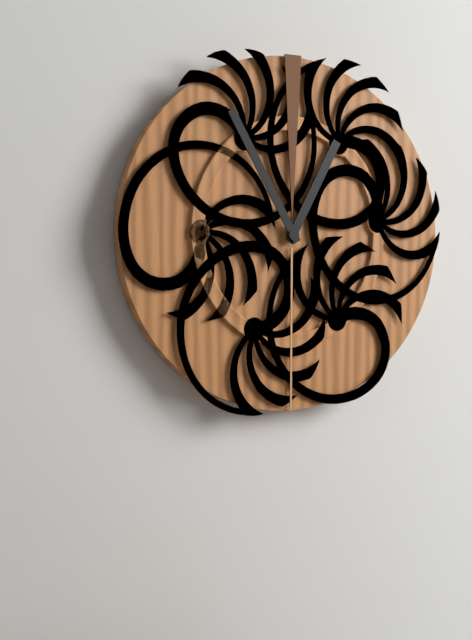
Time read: **12:55**
